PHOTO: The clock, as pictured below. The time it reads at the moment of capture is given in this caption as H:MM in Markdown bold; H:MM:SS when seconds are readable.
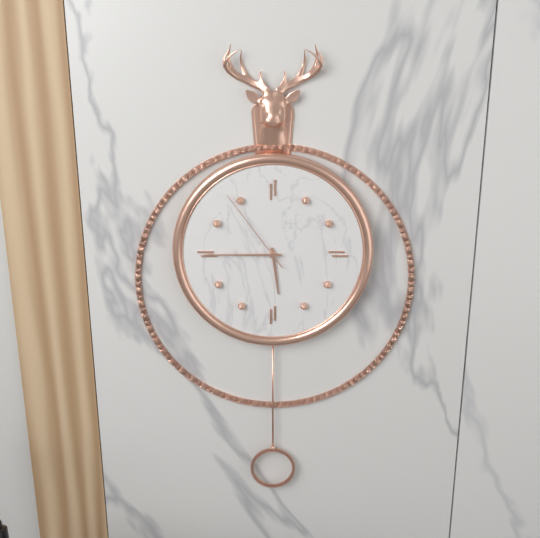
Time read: **5:45:54**
